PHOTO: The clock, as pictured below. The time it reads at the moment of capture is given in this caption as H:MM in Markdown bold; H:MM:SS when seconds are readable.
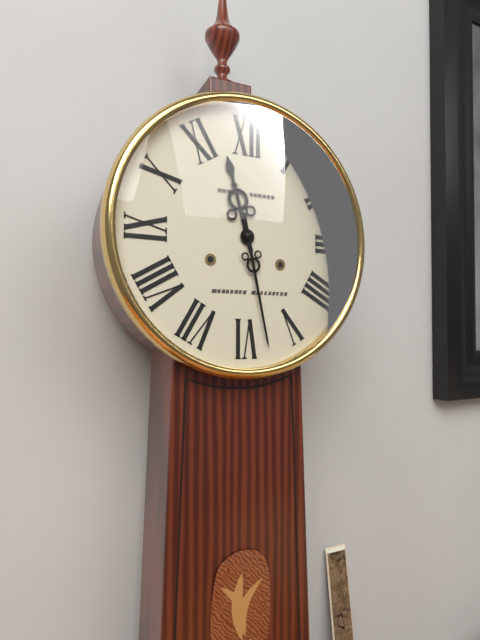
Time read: **11:28**
